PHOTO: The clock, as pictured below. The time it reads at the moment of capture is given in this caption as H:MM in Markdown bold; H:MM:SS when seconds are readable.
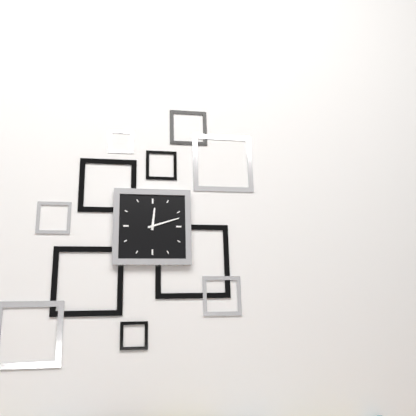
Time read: **12:12**
